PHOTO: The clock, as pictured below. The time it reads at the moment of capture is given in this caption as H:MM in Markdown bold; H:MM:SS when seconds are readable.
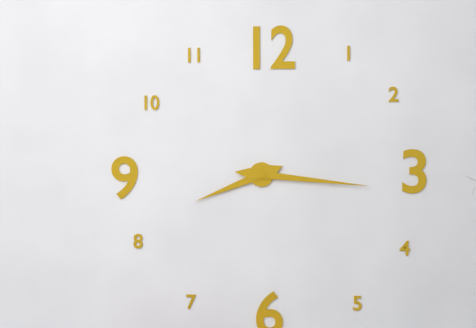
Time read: **8:16**
